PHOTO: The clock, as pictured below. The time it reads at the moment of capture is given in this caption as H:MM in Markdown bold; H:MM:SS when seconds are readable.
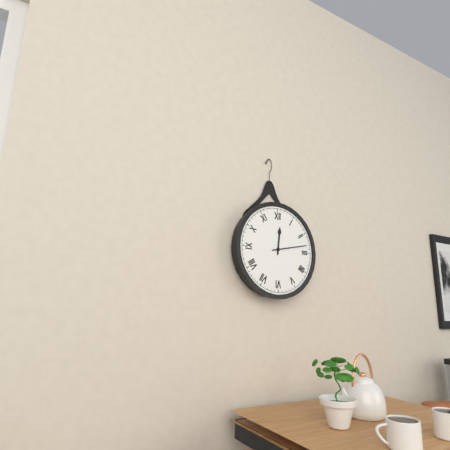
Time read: **12:13**
